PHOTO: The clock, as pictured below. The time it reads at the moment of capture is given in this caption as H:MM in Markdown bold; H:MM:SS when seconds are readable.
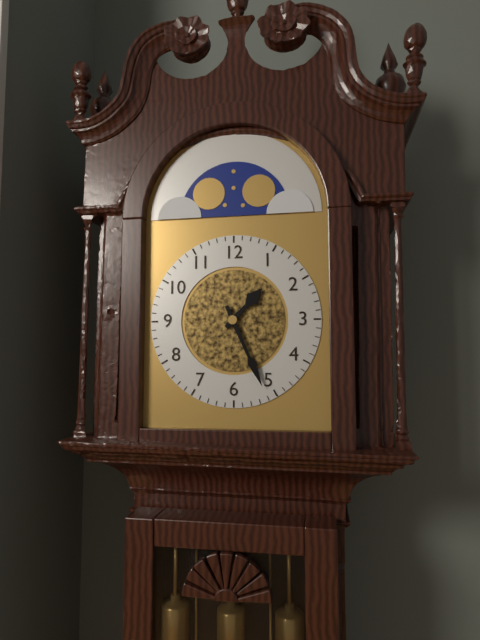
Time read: **1:26**
